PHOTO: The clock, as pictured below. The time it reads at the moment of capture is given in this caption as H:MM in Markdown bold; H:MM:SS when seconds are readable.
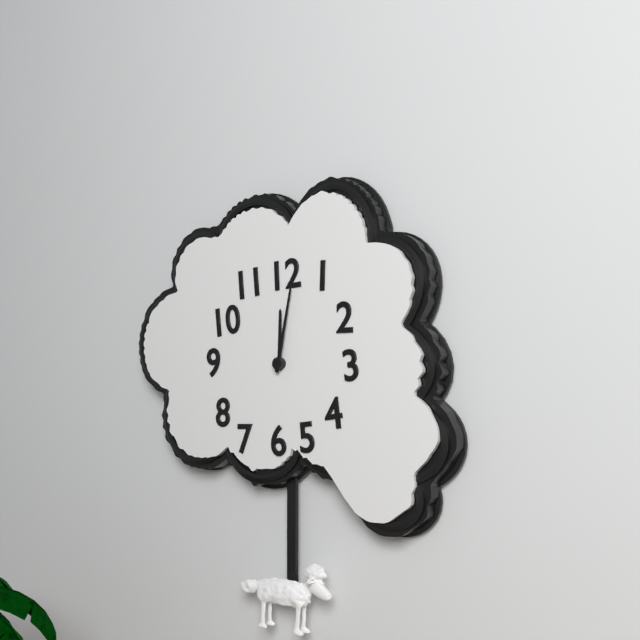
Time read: **12:02**
